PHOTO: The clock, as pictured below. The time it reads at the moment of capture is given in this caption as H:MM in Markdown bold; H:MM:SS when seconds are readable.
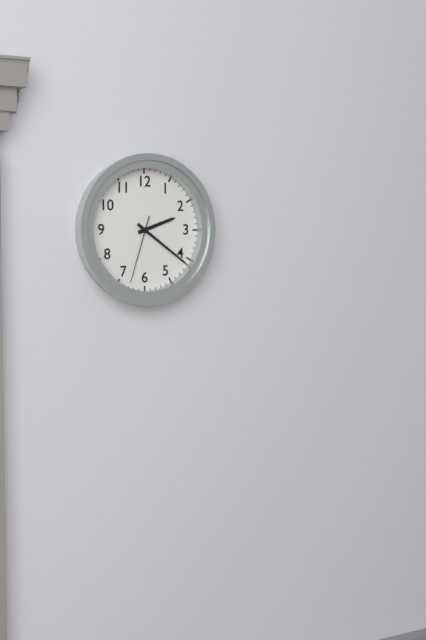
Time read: **2:21:33**
